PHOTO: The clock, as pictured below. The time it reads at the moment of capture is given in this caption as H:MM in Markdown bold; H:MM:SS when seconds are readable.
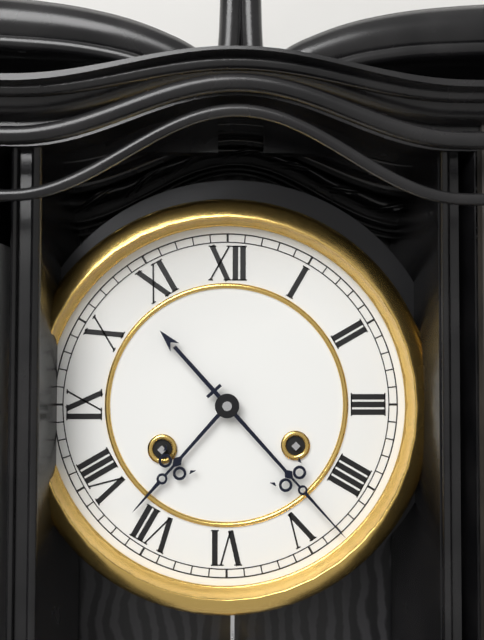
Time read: **7:23**
